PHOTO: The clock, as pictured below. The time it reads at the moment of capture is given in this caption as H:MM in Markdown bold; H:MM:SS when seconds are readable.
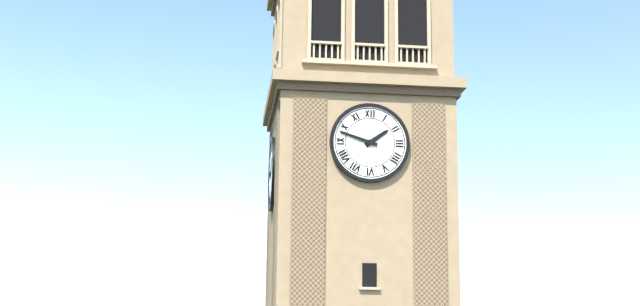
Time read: **1:48**
